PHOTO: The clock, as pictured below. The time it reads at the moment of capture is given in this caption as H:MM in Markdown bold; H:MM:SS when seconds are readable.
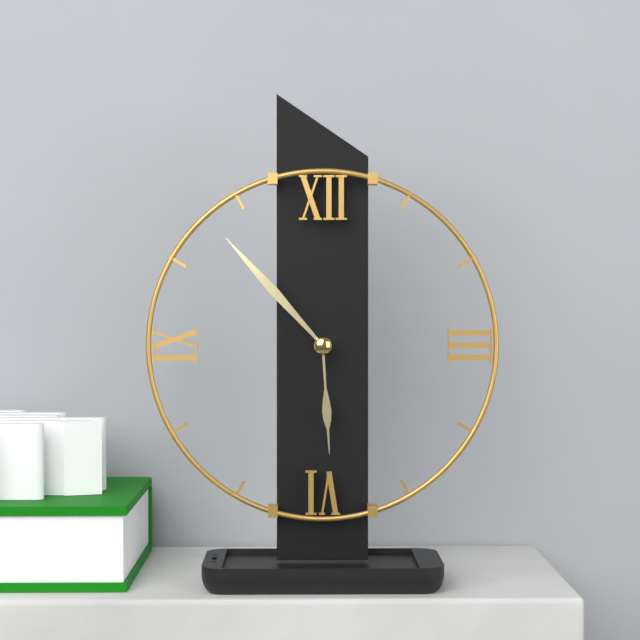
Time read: **5:53**
